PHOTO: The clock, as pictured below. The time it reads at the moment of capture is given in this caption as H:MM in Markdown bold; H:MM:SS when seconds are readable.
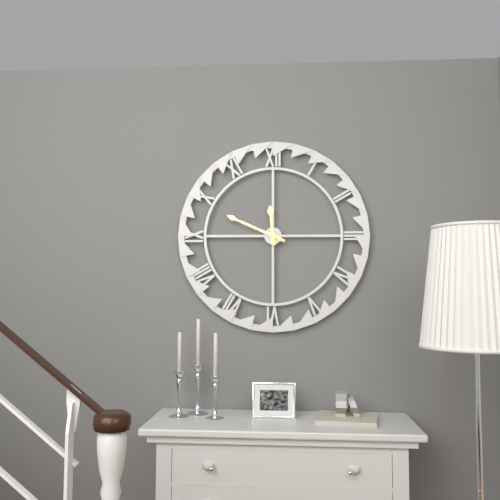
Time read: **11:49**
